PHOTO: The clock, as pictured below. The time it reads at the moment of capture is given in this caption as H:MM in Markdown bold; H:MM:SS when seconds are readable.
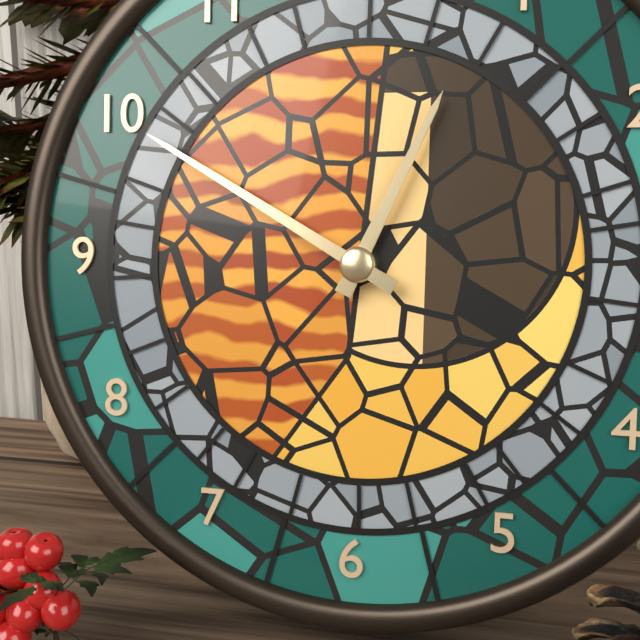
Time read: **12:50**
